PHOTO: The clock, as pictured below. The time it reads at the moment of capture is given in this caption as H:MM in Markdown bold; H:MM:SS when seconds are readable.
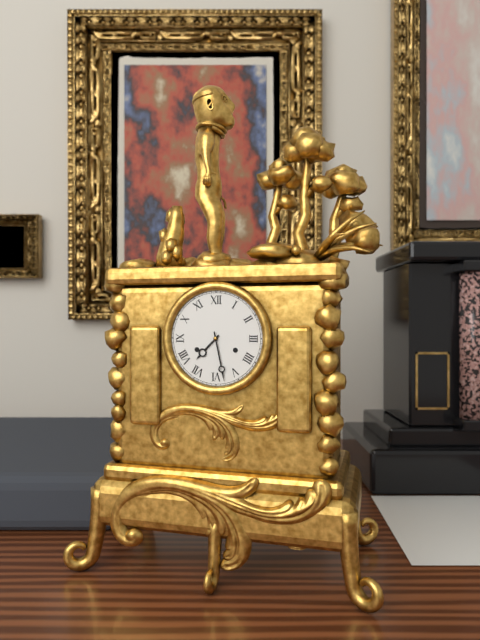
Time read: **7:28**
